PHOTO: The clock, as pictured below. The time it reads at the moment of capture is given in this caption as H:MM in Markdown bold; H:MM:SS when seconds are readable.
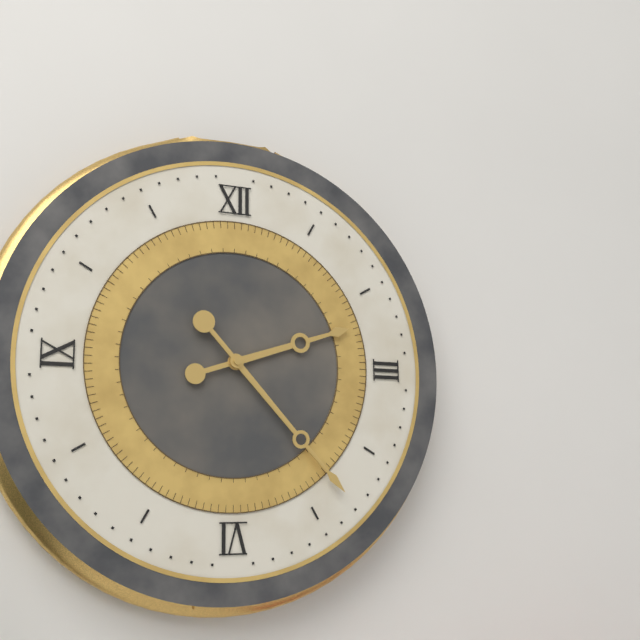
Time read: **2:23**
